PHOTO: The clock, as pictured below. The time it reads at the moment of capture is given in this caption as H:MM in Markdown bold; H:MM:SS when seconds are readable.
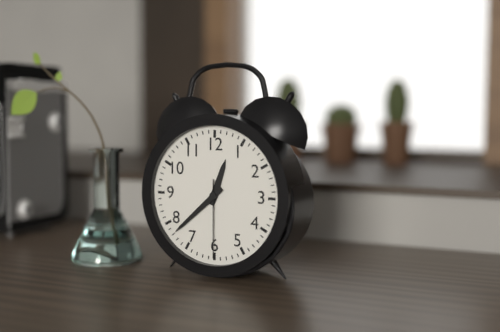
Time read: **12:38:30**
